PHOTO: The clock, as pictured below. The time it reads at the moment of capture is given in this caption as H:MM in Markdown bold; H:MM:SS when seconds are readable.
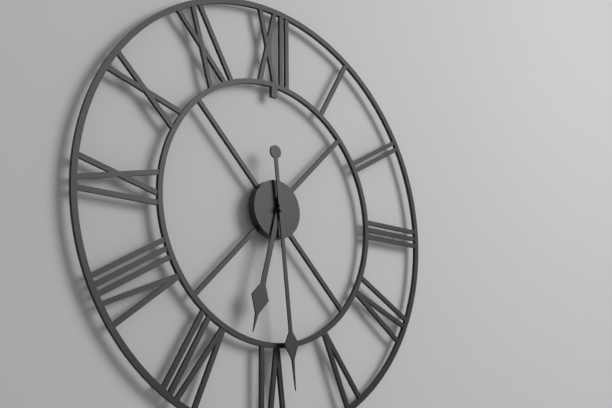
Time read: **6:29**
